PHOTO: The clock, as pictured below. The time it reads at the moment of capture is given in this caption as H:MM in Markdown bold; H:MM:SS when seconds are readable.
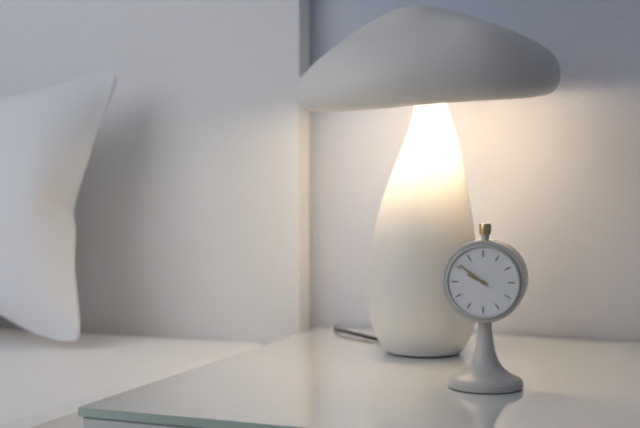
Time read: **9:51**
